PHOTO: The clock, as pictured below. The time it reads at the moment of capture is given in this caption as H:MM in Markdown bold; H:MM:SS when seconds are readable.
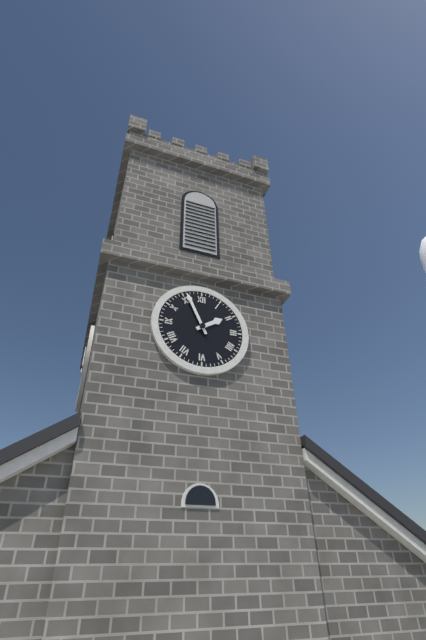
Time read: **1:56**
